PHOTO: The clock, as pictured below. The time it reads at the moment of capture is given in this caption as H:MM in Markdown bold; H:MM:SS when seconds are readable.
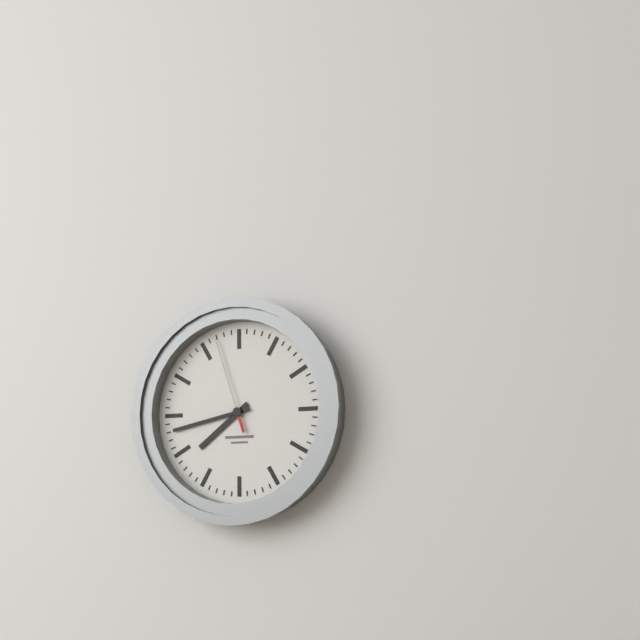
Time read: **7:43:57**
